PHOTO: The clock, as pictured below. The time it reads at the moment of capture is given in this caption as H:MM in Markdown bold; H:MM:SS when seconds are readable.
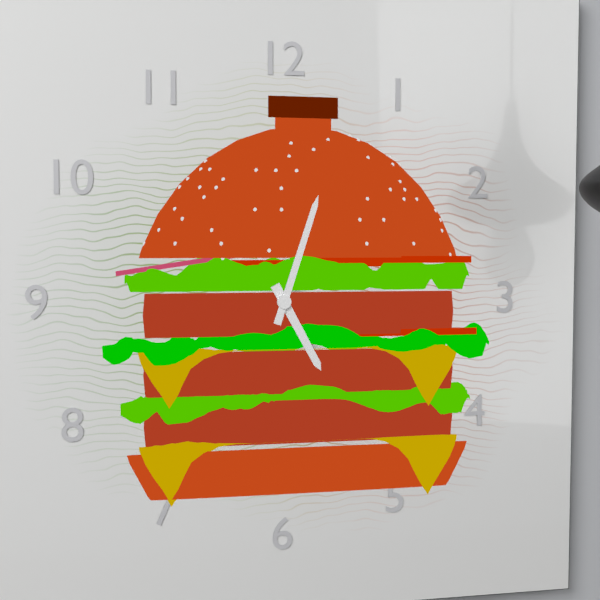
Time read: **5:03**
